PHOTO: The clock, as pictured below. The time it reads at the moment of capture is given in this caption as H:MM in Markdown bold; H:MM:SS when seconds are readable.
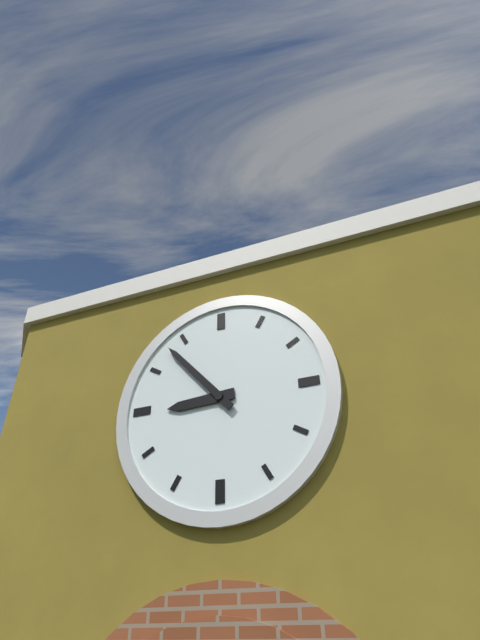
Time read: **8:53**
